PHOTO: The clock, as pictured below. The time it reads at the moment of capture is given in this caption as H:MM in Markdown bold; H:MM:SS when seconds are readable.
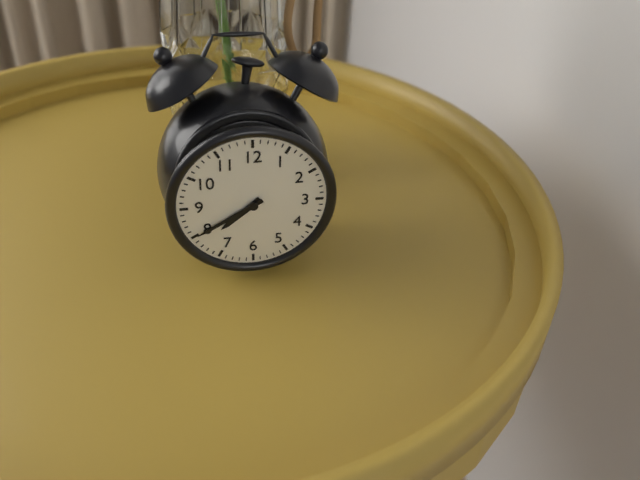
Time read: **7:40**
